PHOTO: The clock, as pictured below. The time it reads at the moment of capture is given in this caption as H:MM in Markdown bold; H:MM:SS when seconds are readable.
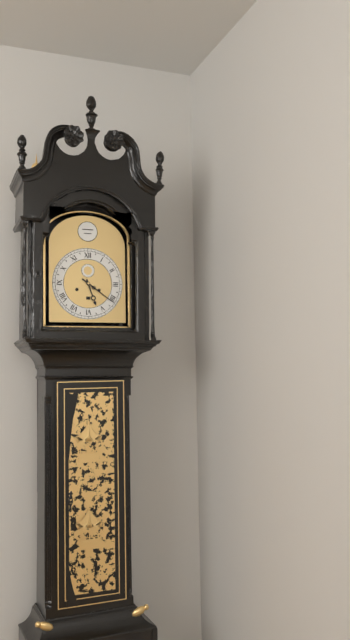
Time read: **5:21**
